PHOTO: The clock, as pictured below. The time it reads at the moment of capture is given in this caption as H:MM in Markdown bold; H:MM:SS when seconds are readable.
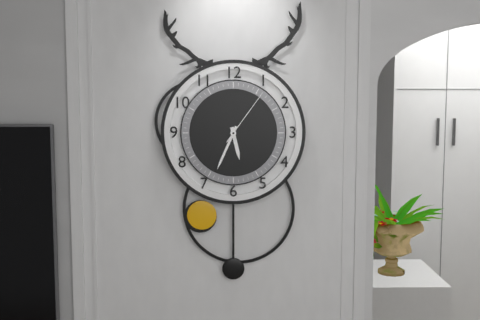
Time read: **5:34:06**
